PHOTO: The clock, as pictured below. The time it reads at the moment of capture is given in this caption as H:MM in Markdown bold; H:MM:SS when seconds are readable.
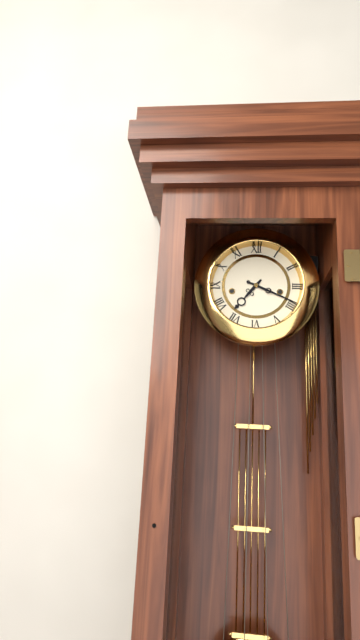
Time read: **7:19**
